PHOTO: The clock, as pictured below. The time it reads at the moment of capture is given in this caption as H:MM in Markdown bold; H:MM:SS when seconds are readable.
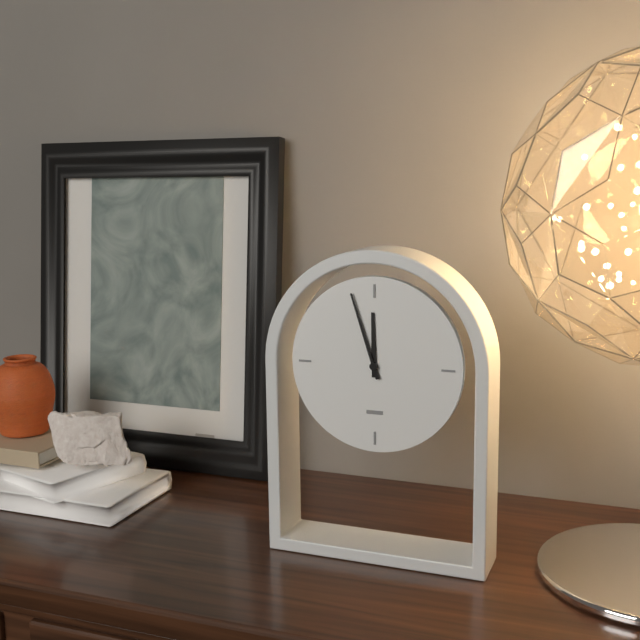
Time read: **11:57**
